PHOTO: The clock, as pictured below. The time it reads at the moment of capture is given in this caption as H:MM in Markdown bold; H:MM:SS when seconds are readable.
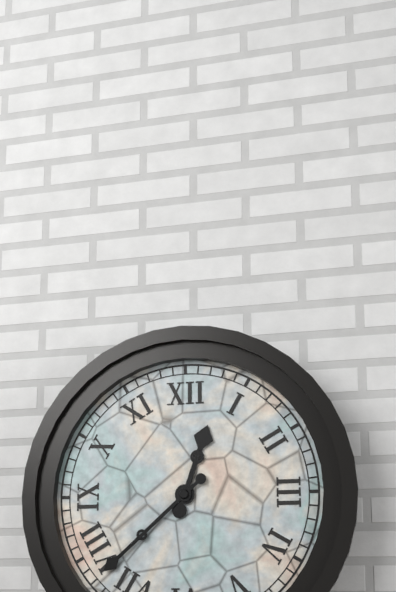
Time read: **12:38**
